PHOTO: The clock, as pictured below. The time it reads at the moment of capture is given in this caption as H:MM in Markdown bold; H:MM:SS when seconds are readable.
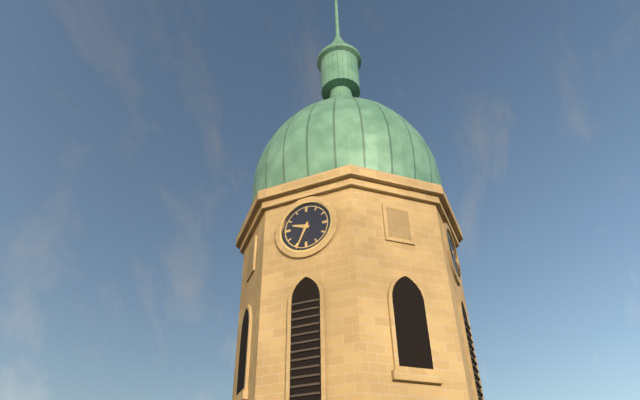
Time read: **9:34**
